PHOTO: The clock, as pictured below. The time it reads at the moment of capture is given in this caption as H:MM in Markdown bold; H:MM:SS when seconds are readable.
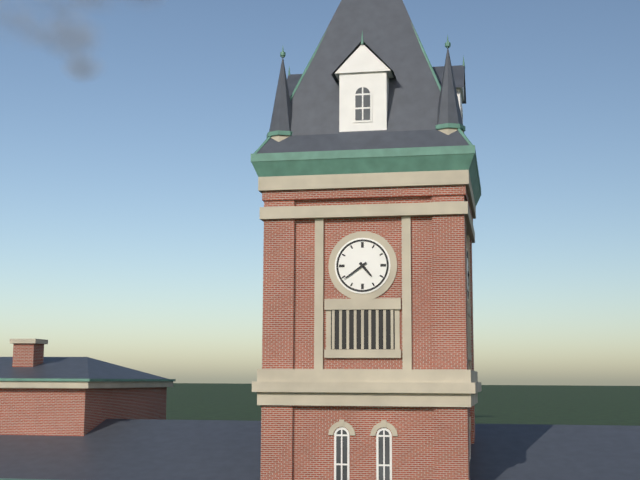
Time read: **4:39**
